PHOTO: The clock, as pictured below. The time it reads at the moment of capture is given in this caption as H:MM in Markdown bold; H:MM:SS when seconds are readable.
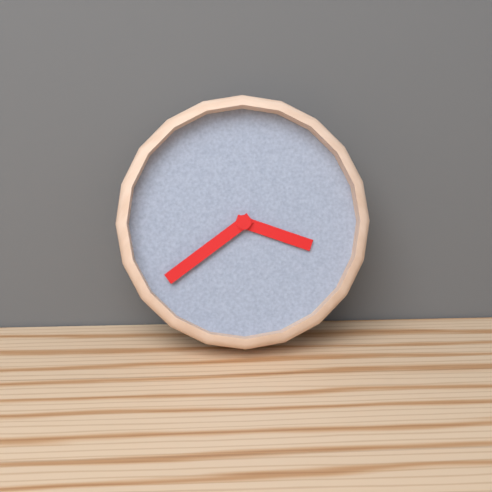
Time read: **3:39**
